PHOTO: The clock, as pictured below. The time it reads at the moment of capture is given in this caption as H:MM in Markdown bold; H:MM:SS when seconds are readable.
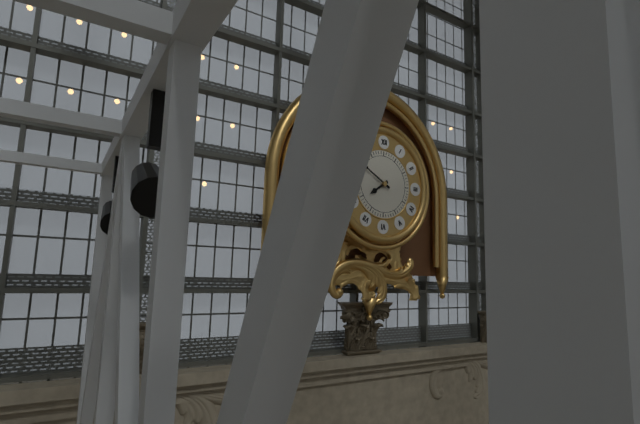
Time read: **7:50**
